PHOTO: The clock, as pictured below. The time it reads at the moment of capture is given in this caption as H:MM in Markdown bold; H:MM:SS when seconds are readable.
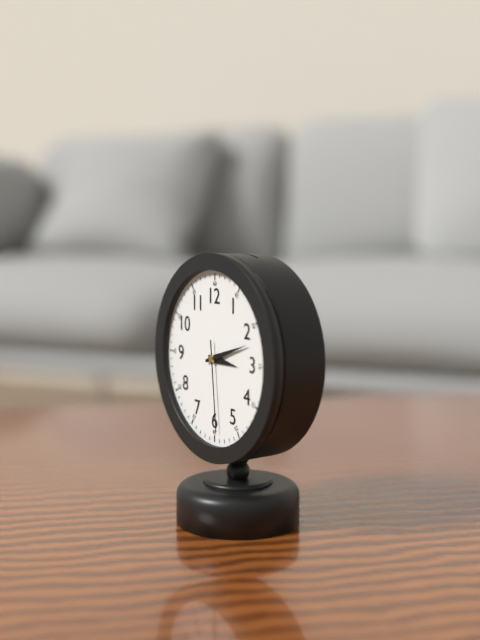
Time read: **3:12:29**
